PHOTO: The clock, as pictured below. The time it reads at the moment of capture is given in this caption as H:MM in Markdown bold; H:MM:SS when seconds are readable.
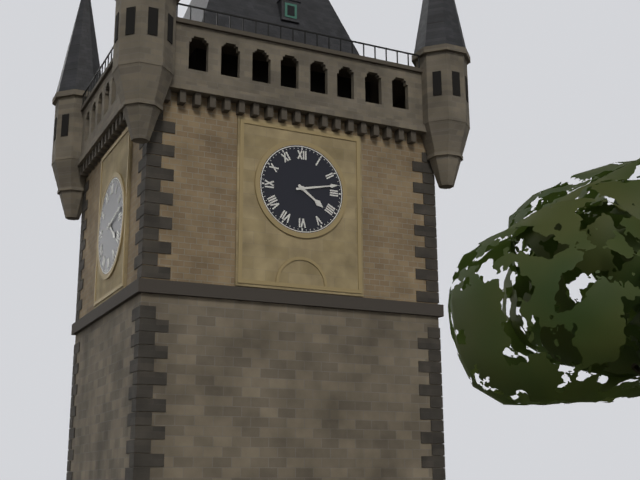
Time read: **4:13**
